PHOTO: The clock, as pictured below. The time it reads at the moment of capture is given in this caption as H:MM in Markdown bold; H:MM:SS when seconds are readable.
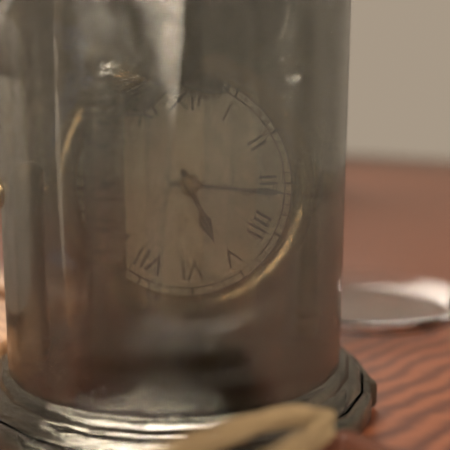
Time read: **5:16**
